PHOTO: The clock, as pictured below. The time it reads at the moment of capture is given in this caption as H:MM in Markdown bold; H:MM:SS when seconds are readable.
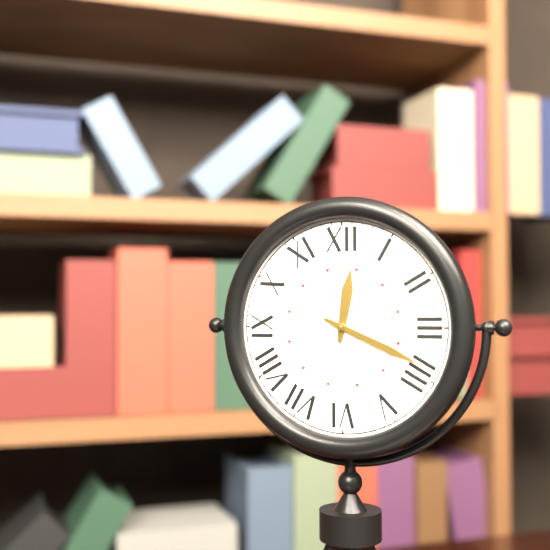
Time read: **12:19**
